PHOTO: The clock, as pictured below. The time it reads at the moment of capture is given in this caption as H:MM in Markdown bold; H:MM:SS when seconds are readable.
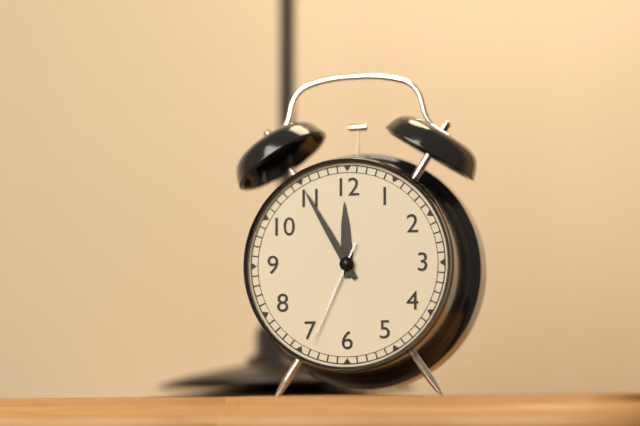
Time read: **11:55:34**
